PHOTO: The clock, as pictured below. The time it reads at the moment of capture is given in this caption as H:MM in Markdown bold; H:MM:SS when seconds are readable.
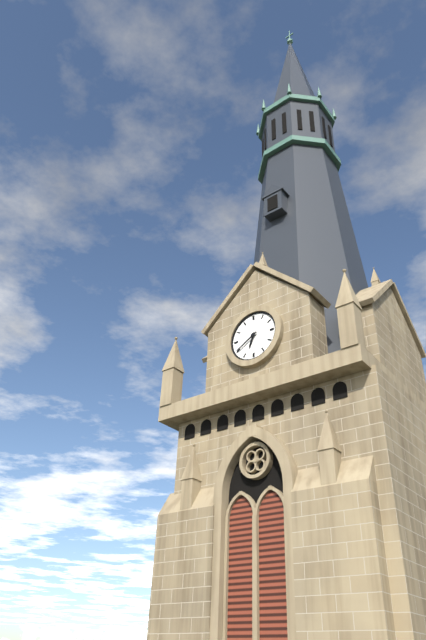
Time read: **6:40**
